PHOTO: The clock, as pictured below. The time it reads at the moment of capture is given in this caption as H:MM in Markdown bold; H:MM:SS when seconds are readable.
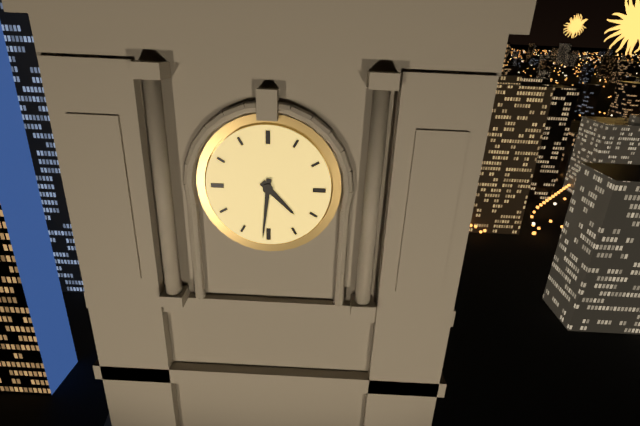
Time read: **4:31**
